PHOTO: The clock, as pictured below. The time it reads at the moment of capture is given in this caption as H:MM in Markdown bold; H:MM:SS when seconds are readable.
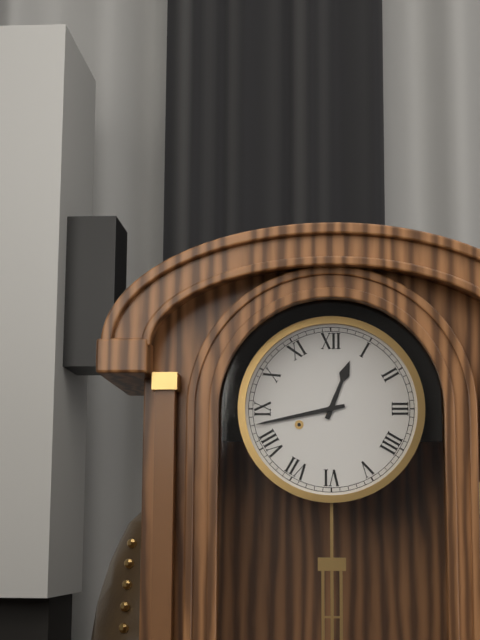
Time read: **12:43**
